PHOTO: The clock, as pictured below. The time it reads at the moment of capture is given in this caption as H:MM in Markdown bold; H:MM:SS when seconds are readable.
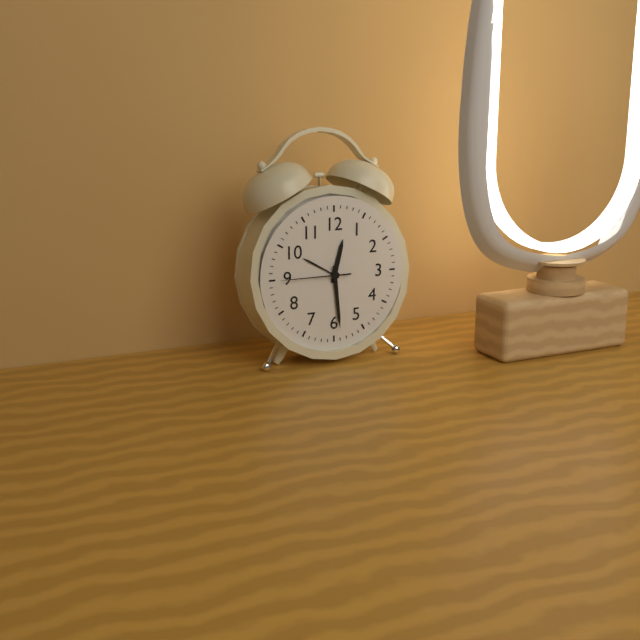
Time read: **12:29:45**
